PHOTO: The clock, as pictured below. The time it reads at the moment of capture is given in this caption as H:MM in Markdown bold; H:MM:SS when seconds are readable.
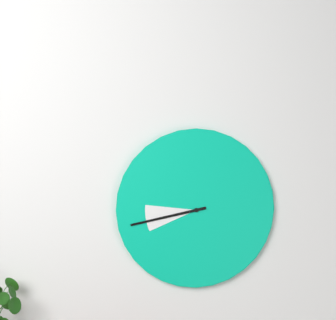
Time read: **8:43**
